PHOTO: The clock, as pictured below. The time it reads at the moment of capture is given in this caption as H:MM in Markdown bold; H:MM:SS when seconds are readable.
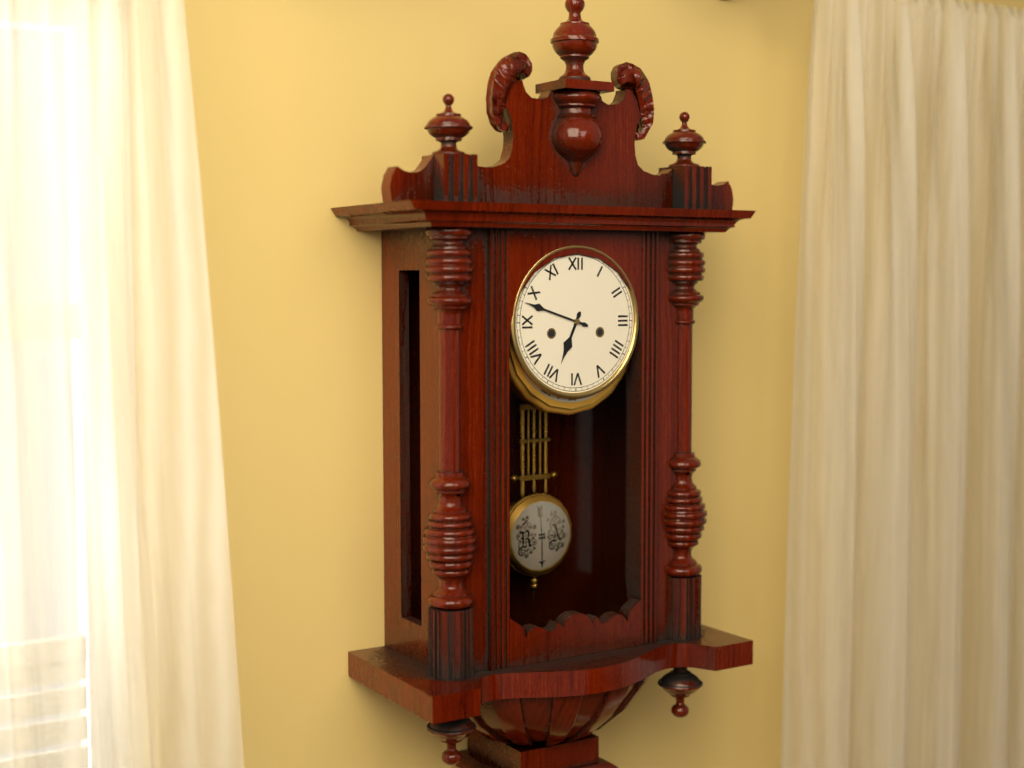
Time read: **6:48**
